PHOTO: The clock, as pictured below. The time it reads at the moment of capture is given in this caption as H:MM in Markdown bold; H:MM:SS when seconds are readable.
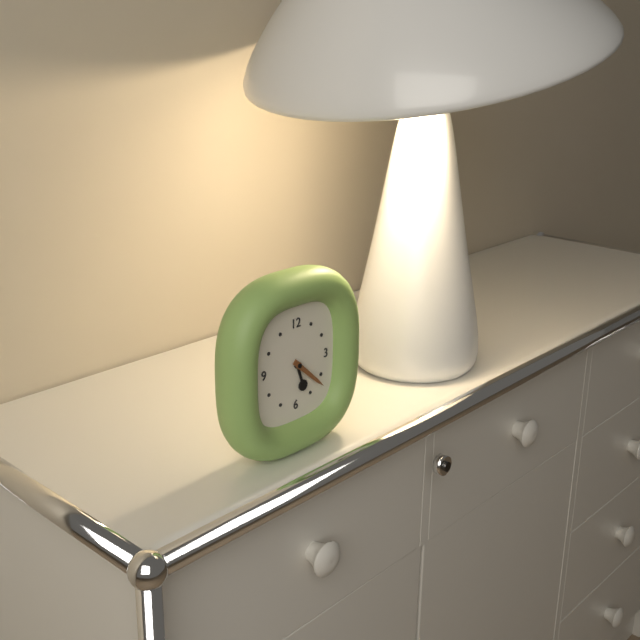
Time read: **5:22**
